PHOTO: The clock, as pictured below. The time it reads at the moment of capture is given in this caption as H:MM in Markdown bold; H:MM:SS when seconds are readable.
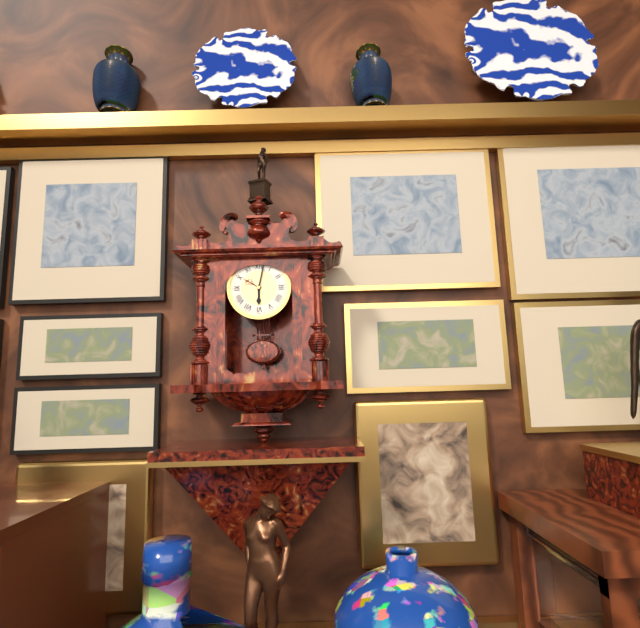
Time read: **6:02**
